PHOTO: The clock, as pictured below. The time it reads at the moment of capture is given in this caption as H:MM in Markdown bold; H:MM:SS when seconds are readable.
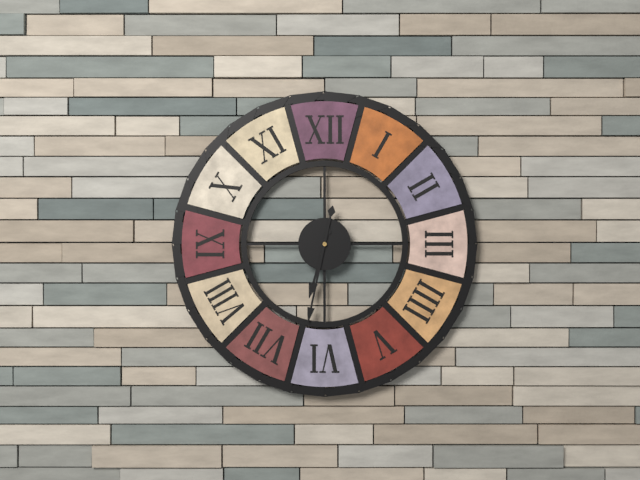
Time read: **6:32**
